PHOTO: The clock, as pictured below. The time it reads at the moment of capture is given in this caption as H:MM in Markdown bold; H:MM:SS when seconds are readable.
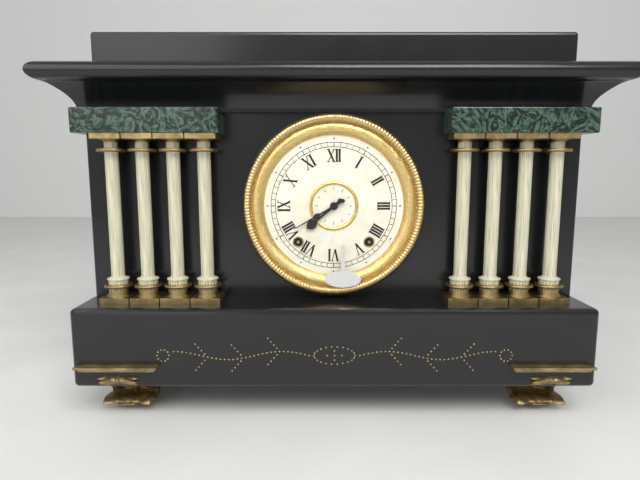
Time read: **7:40**
